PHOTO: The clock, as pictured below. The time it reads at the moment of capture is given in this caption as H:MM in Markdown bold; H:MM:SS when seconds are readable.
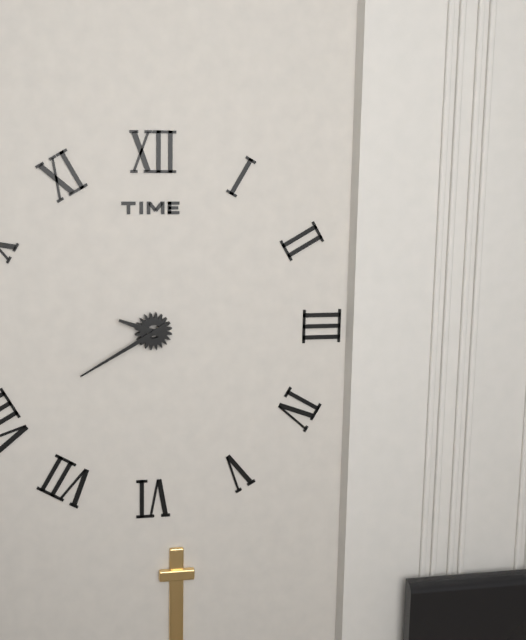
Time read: **9:40**
